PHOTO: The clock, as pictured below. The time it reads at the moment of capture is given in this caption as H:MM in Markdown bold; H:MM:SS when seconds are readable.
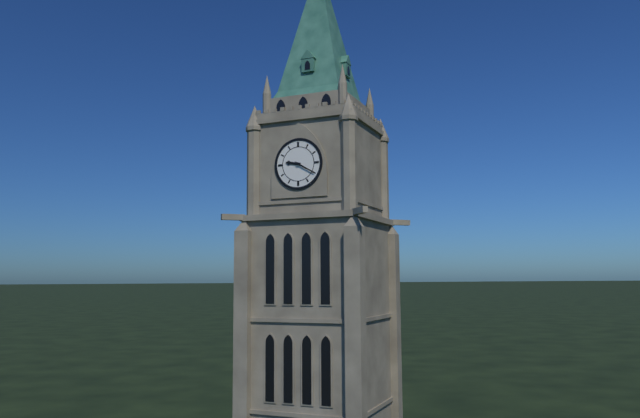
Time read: **9:20**
